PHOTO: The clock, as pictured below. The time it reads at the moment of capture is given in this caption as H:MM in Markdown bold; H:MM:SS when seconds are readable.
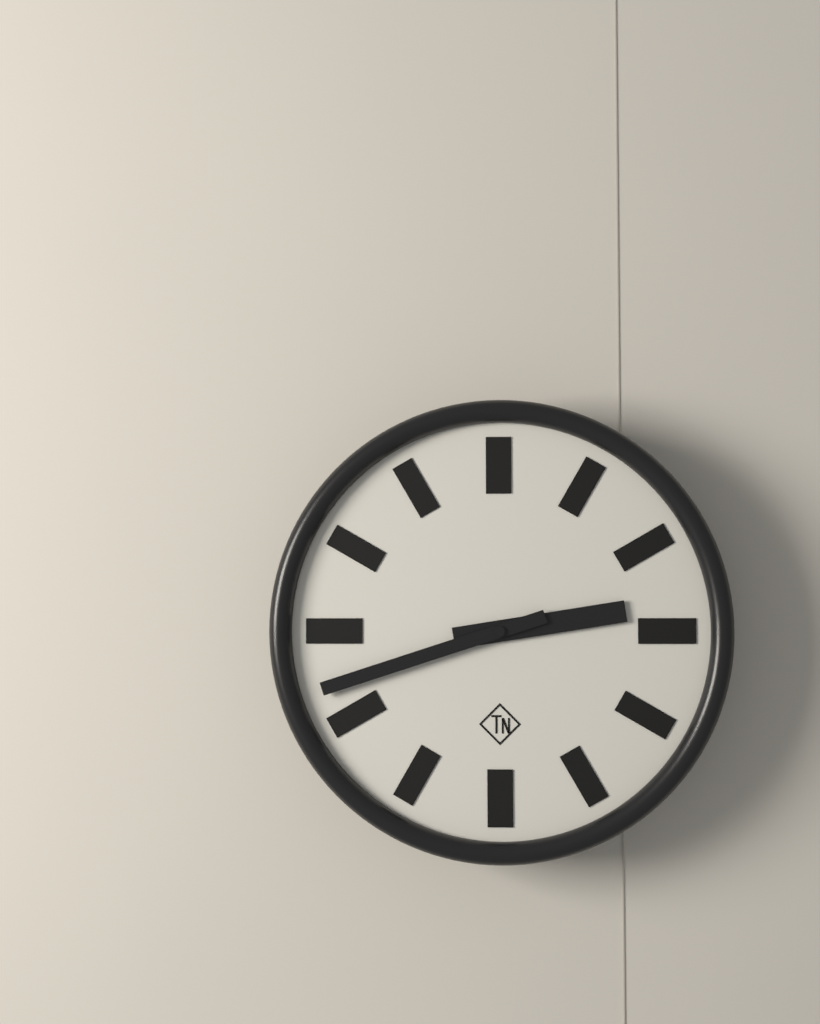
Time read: **2:42**
